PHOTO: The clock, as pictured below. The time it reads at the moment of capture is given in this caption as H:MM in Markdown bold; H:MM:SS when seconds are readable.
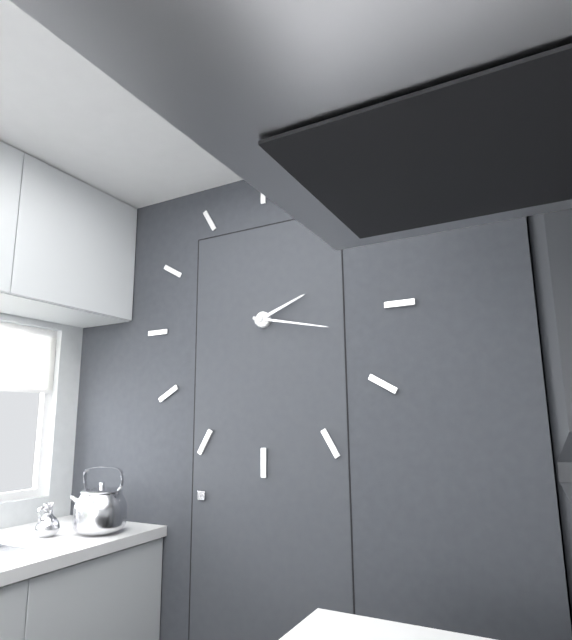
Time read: **2:17**
